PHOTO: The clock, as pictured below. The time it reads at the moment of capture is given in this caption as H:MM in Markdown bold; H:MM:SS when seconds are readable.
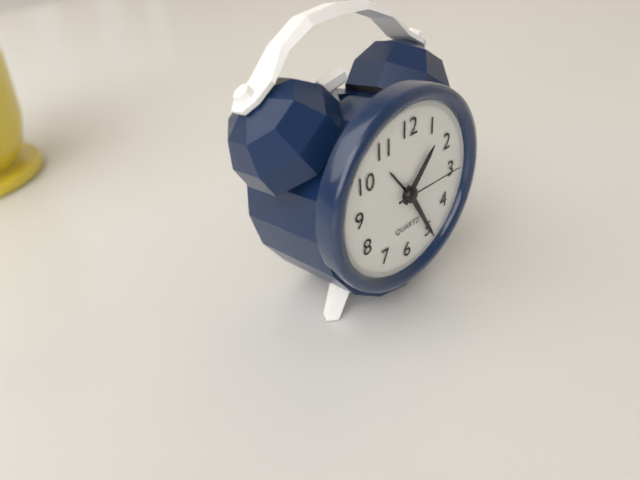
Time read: **1:25:15**
